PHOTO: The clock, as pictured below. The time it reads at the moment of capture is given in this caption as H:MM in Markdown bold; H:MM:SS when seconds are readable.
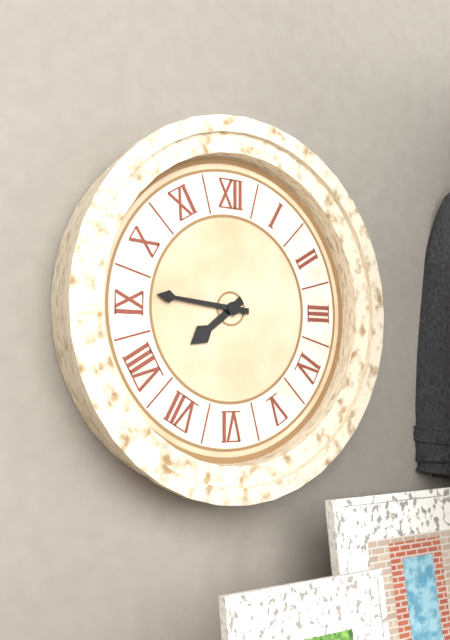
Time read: **7:46**
